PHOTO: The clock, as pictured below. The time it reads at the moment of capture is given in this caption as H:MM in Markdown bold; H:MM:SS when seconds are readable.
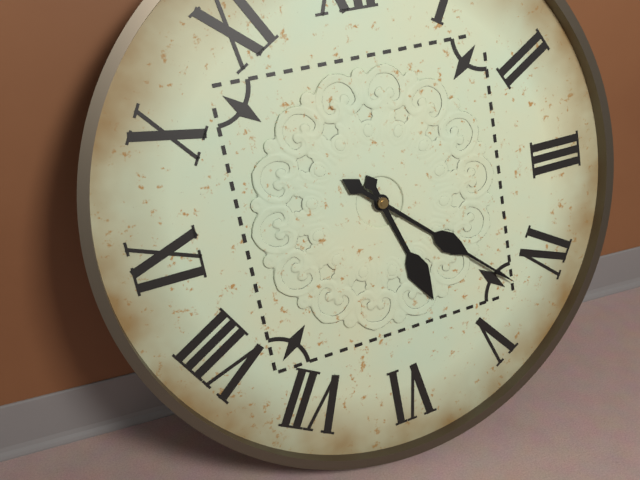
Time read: **5:22**
